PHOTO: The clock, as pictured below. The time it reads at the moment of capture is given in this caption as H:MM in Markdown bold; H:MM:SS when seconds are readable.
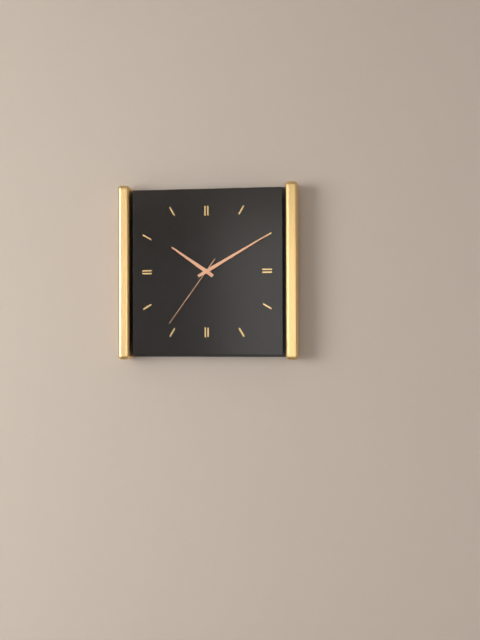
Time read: **10:10:36**
